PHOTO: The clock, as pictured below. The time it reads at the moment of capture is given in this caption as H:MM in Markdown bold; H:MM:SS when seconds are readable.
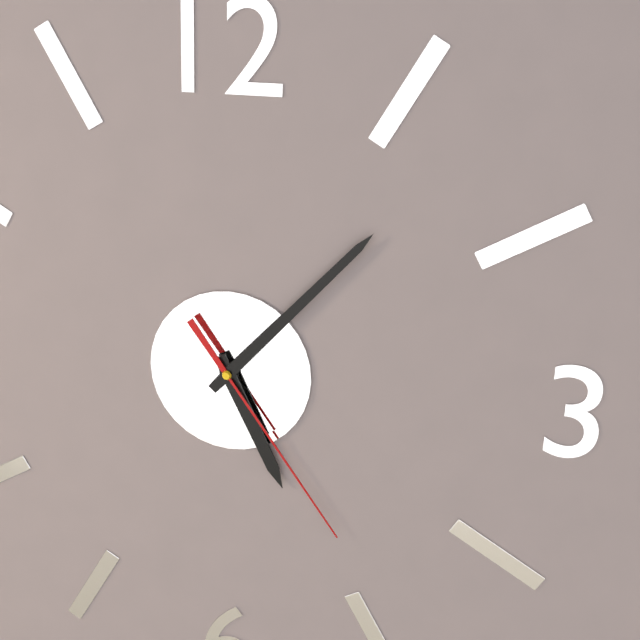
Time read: **5:07:24**
